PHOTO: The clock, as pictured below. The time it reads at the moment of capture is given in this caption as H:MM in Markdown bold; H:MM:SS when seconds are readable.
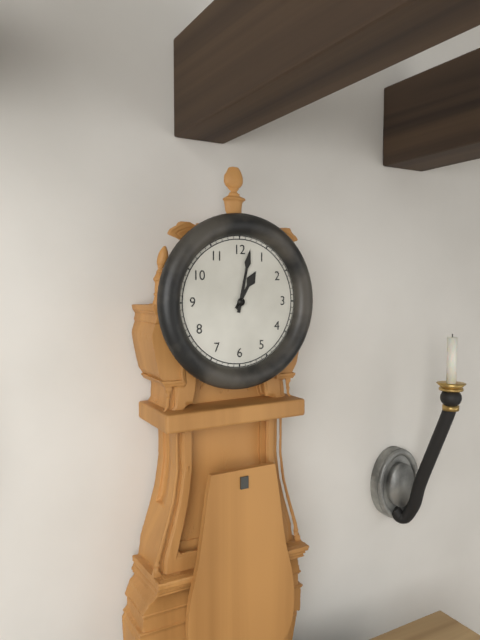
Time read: **1:02**
